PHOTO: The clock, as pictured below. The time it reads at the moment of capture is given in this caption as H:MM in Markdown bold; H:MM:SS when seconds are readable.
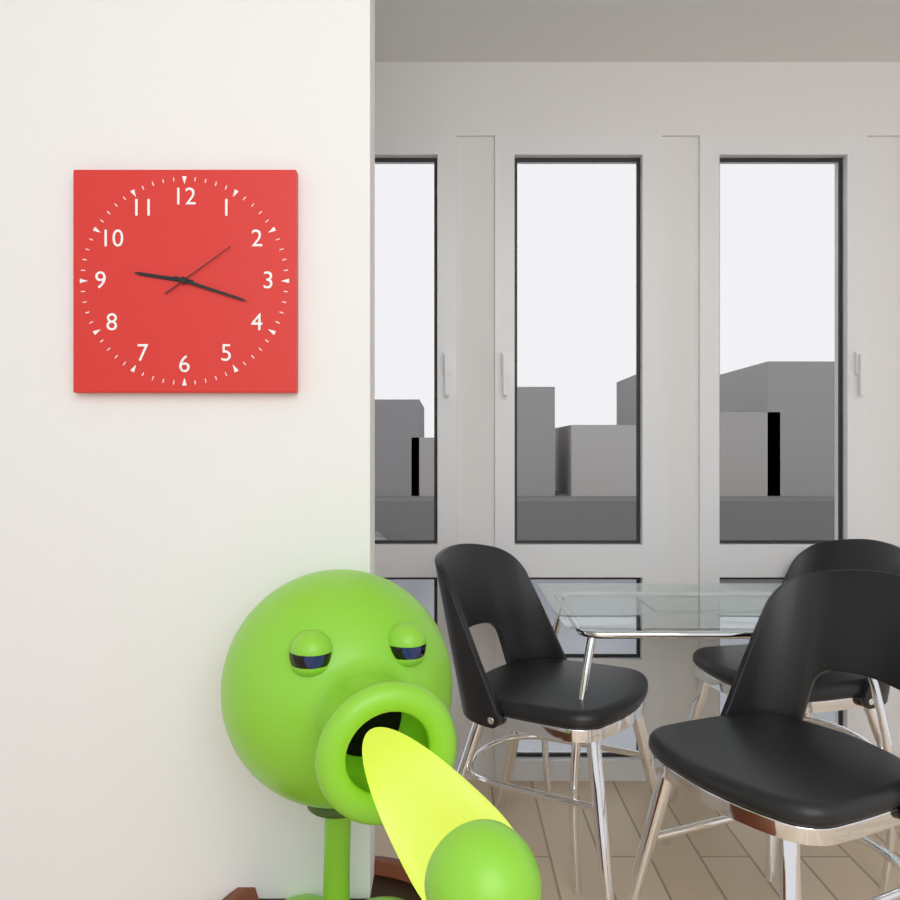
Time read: **9:18:09**
